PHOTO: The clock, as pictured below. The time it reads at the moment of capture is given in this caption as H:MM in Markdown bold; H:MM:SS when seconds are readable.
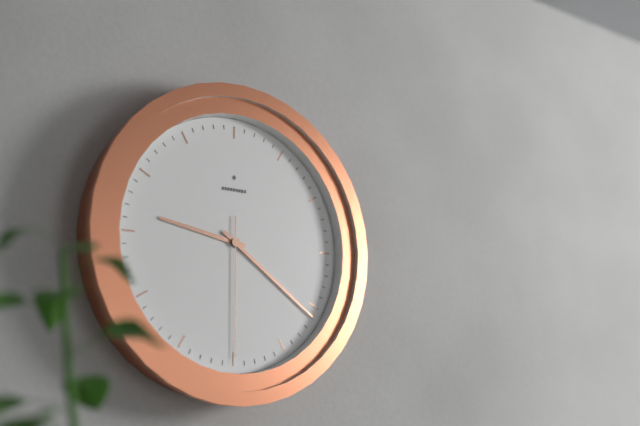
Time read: **9:21:30**
